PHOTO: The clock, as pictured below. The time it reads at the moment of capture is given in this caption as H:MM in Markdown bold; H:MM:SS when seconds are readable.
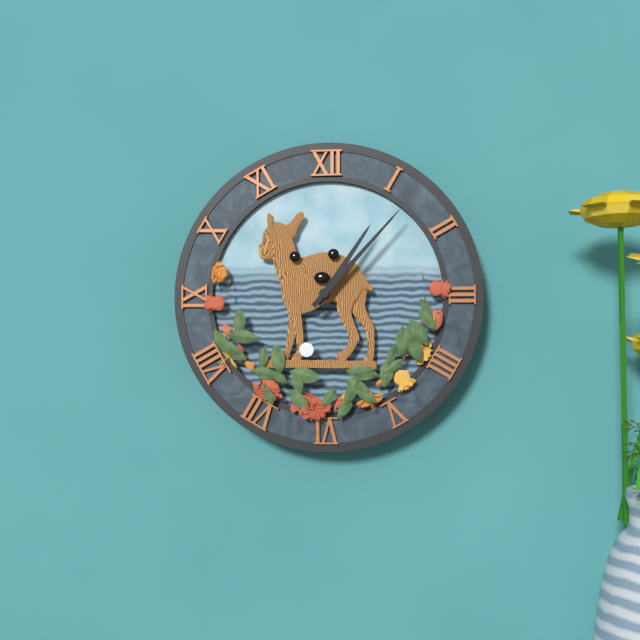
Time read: **1:07**
